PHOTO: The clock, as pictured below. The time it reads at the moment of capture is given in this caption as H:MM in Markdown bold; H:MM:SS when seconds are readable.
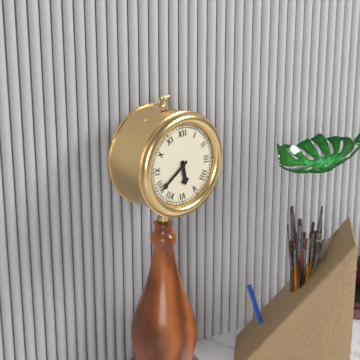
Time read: **5:39**
